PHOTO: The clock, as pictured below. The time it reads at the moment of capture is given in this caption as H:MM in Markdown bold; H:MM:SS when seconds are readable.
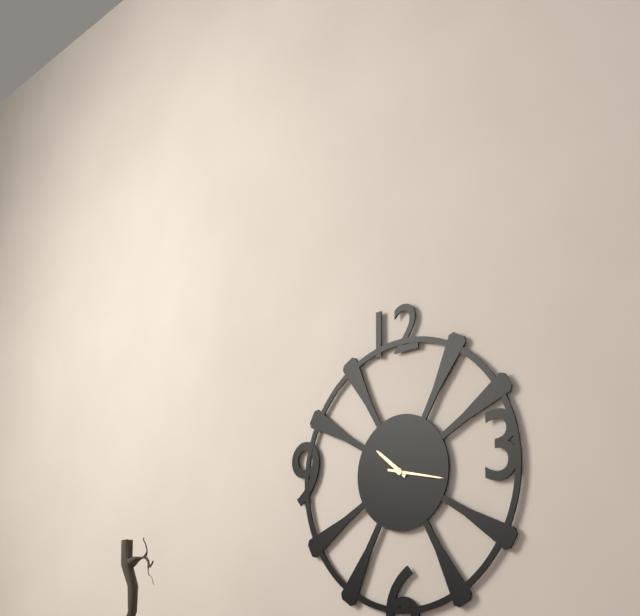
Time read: **10:17**
